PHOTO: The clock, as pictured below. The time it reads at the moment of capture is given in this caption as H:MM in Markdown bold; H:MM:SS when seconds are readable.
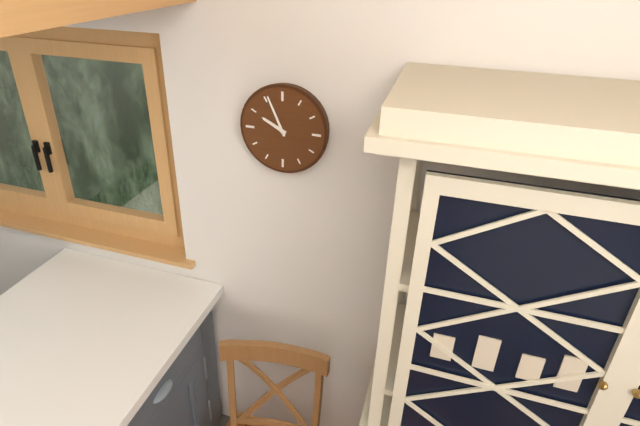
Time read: **9:56**
